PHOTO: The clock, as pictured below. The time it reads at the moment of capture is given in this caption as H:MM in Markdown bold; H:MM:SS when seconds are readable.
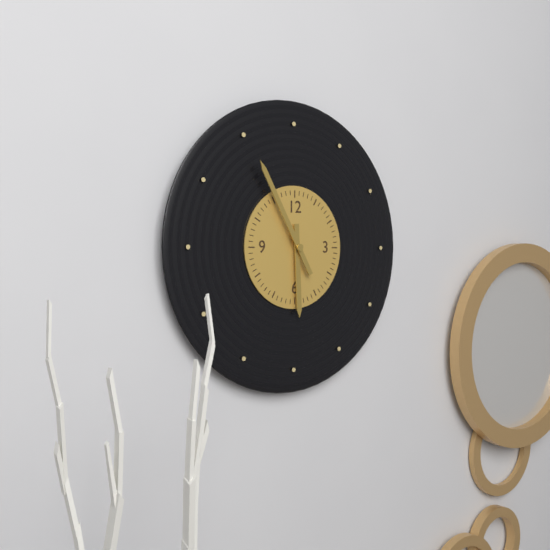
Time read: **5:55**
